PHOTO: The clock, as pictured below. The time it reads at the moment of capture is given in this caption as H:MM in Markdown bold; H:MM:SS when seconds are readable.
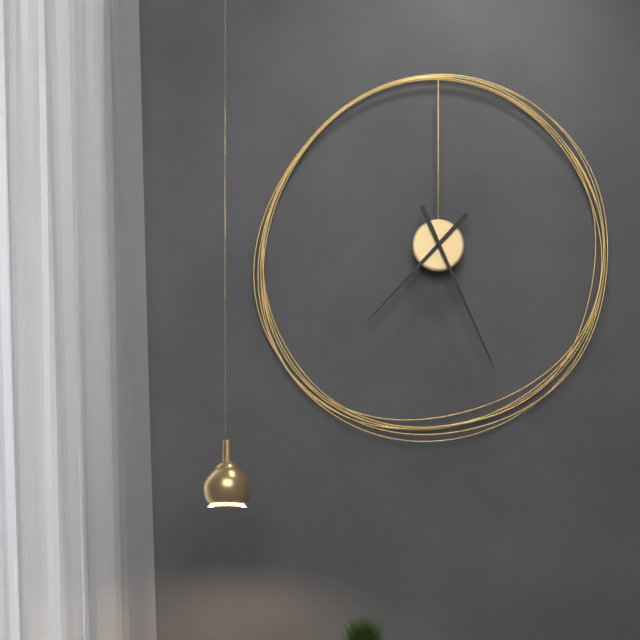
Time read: **7:26**
